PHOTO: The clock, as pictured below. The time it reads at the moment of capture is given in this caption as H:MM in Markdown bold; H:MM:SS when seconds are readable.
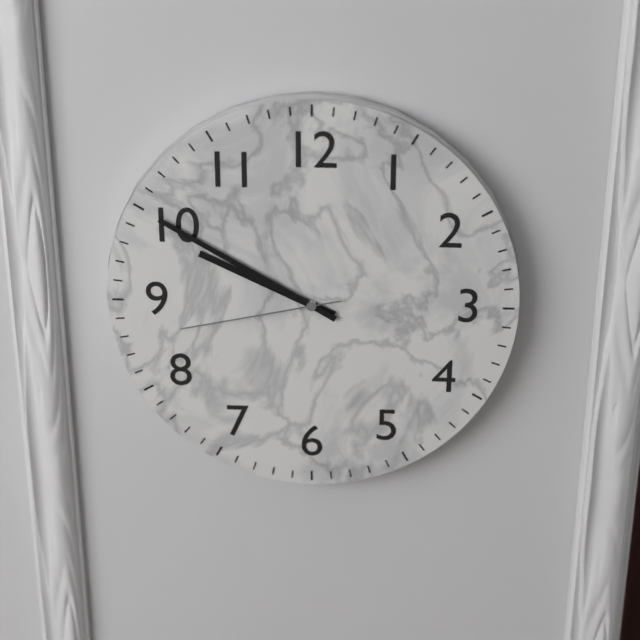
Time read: **9:50:43**
